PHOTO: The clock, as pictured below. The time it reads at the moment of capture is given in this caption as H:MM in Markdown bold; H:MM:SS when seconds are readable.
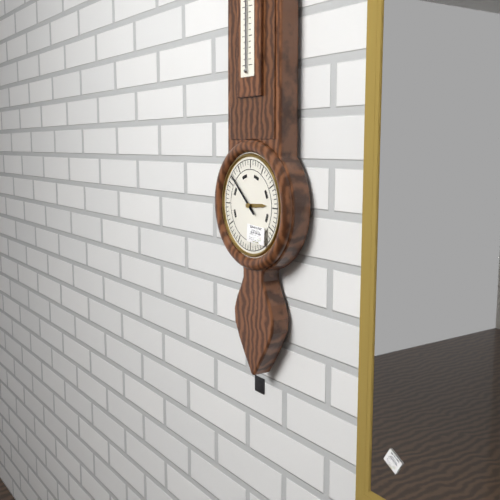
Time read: **2:52**
